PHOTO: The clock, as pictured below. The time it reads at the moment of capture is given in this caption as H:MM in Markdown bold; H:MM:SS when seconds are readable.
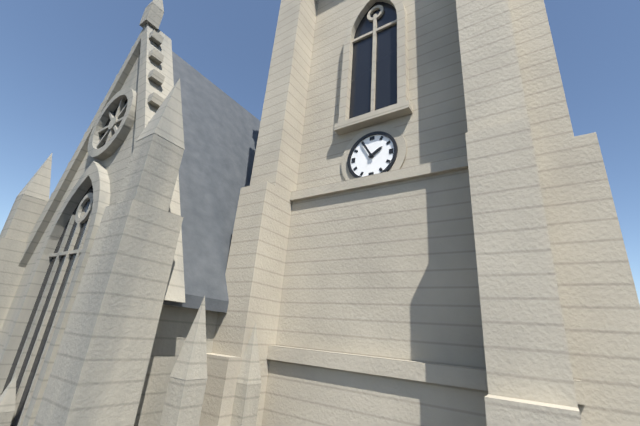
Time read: **1:55**
